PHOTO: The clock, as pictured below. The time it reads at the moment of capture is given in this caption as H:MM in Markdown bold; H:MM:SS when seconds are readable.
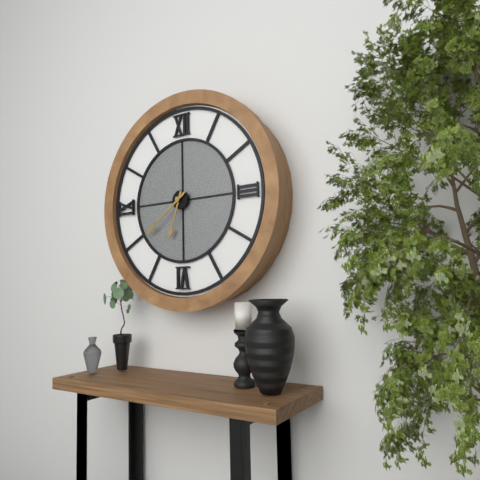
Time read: **6:39**
